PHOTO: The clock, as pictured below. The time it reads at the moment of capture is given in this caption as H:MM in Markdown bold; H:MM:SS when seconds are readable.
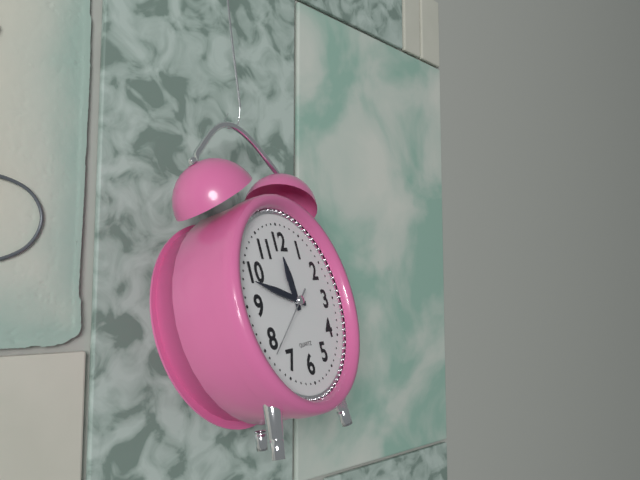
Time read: **11:48:39**
